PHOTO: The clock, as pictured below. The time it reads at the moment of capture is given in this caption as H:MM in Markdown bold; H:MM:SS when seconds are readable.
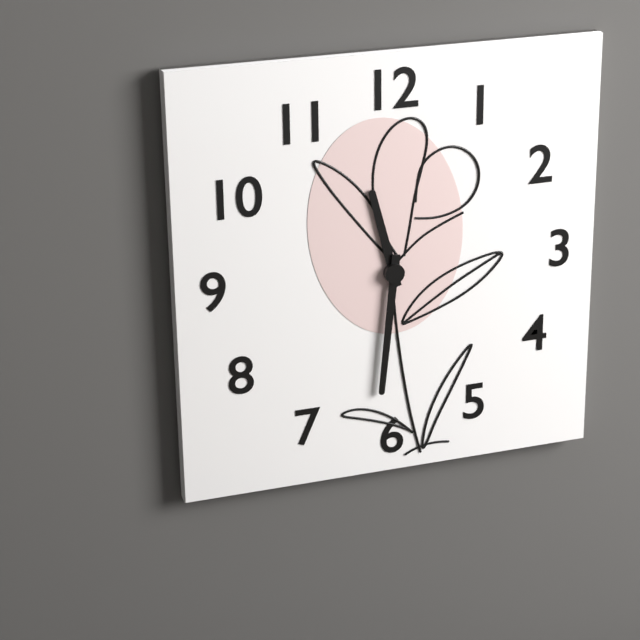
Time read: **11:31**
